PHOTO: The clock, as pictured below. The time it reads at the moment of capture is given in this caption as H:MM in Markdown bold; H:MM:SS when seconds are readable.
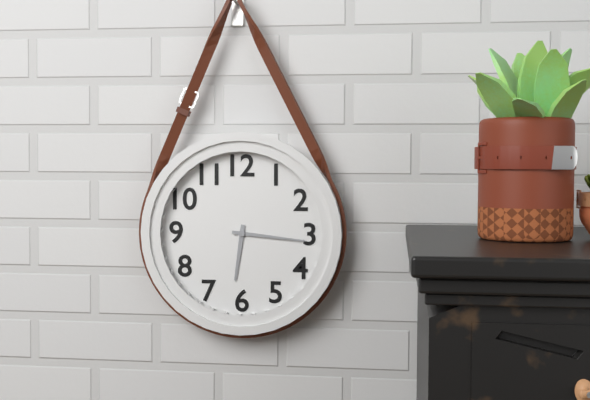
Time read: **6:16**
